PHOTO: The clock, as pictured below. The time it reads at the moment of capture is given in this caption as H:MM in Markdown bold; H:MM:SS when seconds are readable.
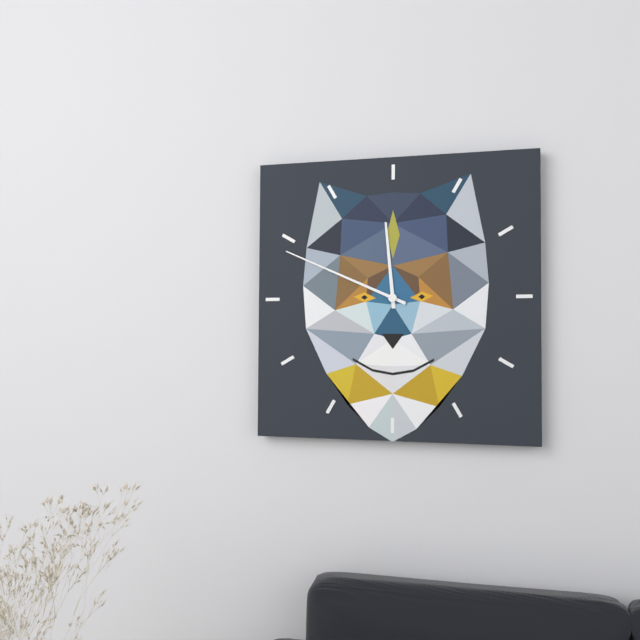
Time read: **11:49**
